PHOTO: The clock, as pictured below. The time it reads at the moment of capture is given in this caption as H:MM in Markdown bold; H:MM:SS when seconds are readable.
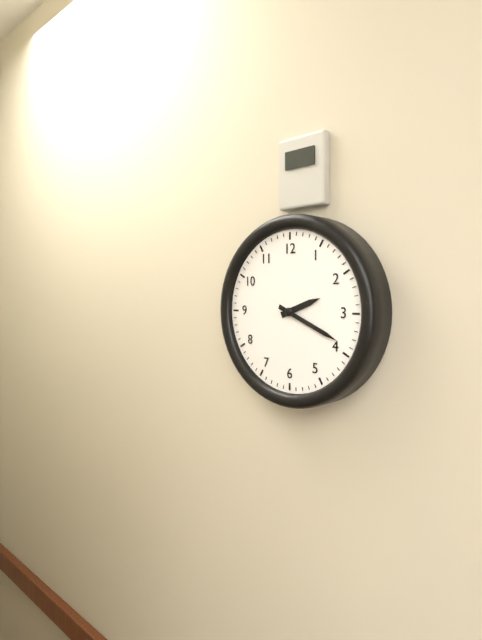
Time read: **2:19**
